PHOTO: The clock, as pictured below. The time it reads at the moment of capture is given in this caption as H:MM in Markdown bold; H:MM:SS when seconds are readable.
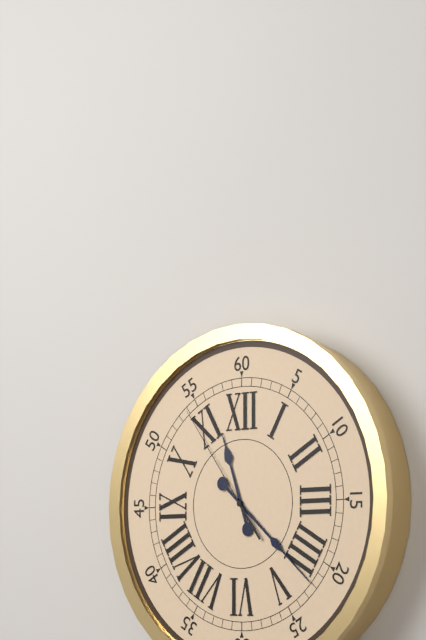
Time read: **11:22:54**
